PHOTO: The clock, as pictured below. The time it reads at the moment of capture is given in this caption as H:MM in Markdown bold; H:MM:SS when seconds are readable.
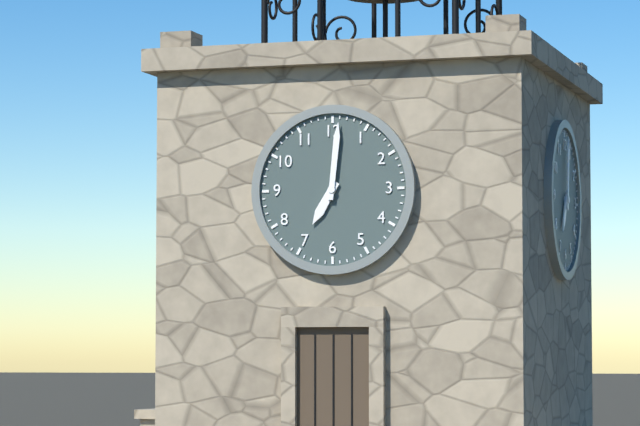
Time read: **7:01**
